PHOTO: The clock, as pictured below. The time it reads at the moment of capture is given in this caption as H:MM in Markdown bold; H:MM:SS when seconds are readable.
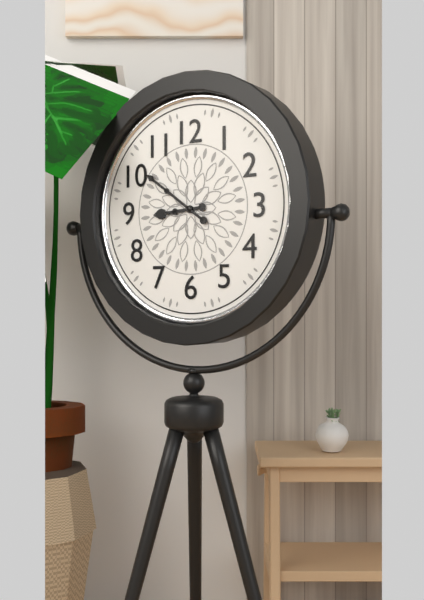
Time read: **8:51**
